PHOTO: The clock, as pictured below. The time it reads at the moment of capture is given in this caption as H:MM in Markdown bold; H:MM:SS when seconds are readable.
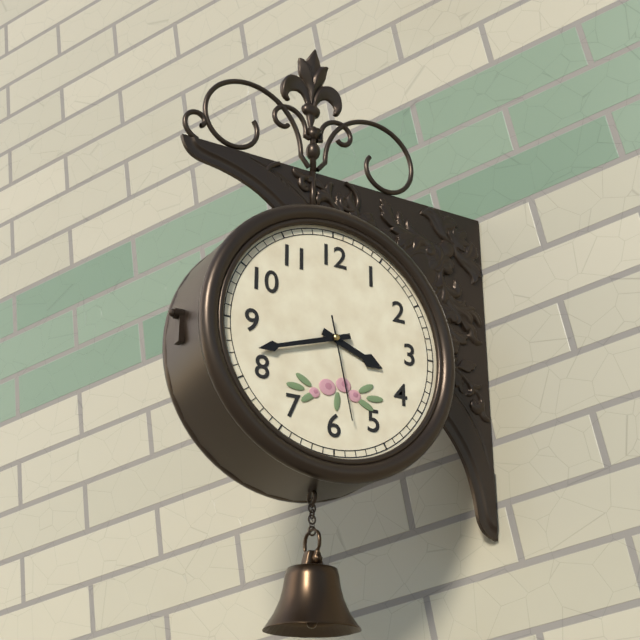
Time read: **3:42:28**
